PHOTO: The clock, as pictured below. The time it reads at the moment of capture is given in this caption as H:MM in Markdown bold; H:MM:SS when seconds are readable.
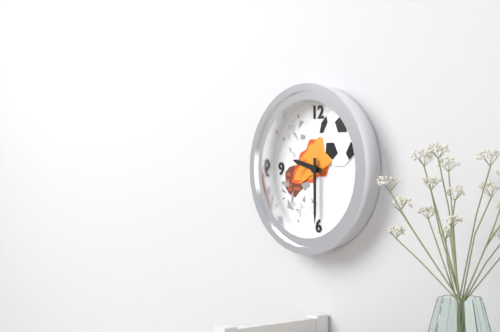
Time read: **9:30**
